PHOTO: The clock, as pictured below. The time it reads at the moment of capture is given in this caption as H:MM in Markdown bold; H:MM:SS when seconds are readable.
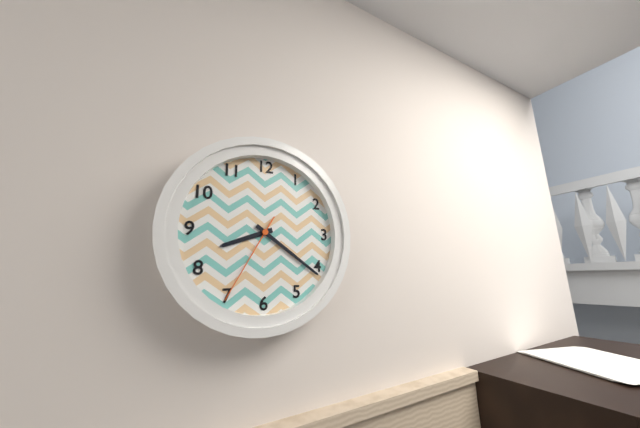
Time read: **8:21:35**
